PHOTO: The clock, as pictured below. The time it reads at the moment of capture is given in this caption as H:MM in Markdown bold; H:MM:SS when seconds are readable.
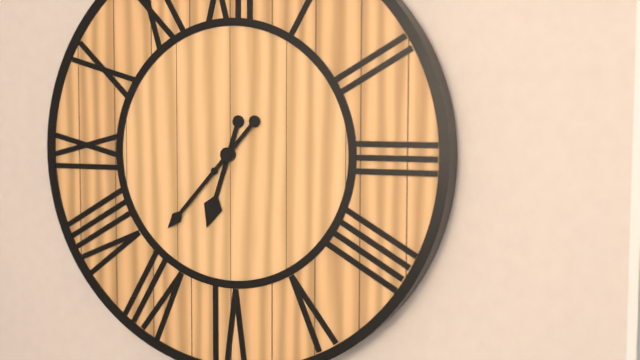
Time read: **6:37**
